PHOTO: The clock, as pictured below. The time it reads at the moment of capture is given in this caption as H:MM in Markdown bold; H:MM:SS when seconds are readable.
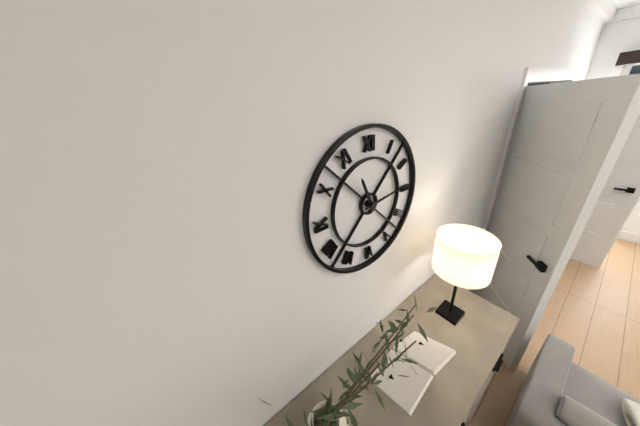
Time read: **11:14**
